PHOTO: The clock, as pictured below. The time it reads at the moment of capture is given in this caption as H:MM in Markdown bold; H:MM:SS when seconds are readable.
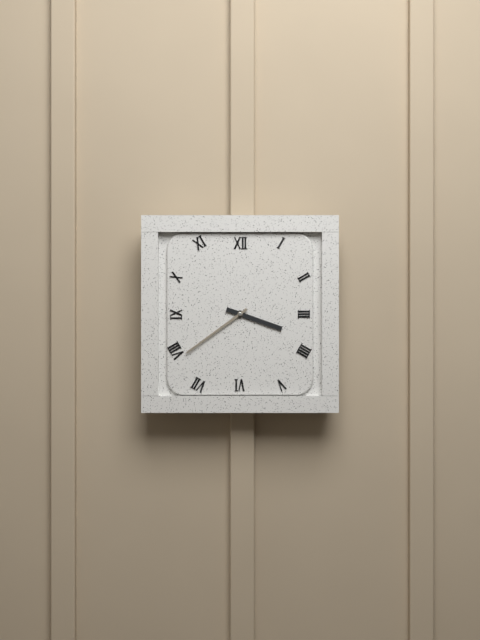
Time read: **3:39**
